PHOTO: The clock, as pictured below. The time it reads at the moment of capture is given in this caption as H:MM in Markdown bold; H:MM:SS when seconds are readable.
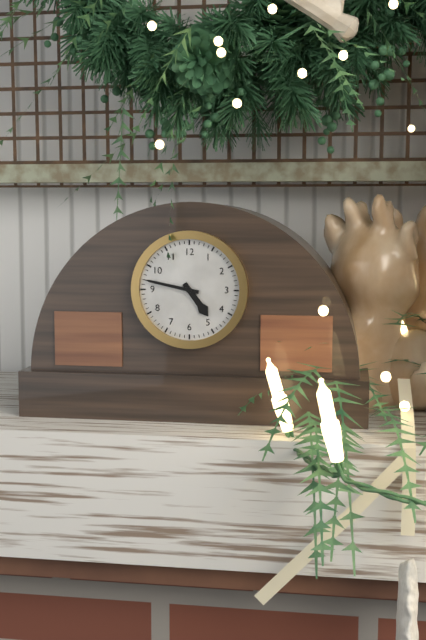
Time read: **4:47**
